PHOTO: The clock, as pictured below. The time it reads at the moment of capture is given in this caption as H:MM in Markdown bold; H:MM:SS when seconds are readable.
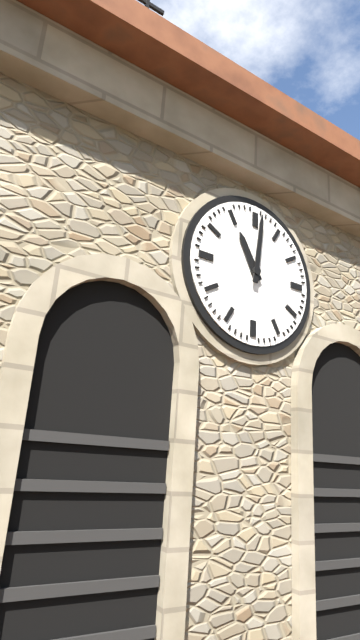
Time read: **11:01**
